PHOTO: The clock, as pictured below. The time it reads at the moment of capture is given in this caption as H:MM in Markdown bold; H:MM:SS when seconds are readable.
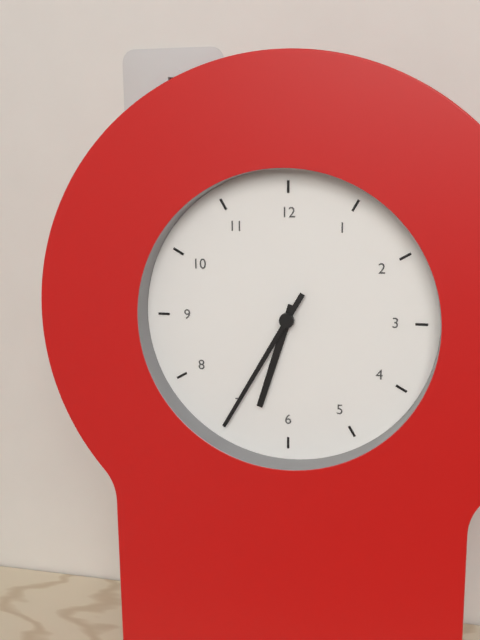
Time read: **6:35**
